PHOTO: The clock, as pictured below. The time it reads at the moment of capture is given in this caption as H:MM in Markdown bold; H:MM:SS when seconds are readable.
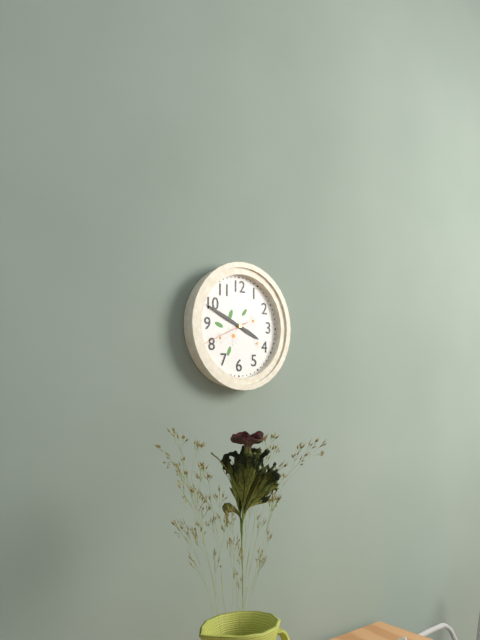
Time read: **3:49**
